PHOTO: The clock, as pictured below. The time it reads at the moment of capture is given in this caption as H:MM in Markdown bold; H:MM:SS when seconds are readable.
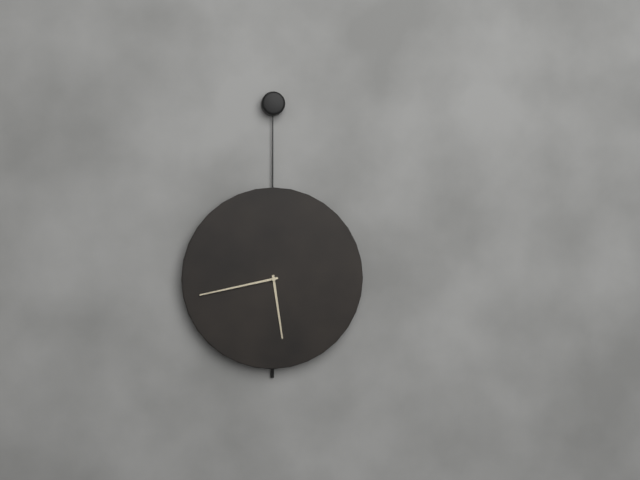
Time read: **5:43**
